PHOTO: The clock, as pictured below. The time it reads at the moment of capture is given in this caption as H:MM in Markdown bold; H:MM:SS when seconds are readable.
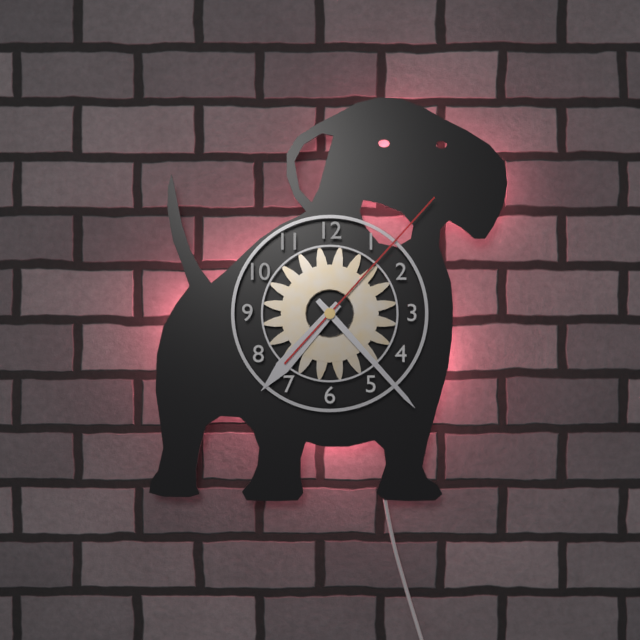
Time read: **7:23:07**
